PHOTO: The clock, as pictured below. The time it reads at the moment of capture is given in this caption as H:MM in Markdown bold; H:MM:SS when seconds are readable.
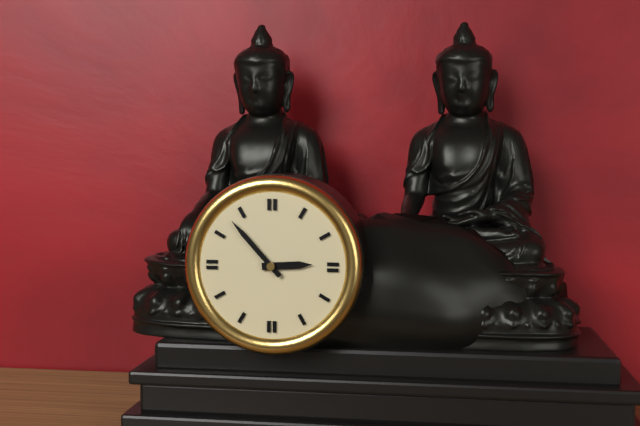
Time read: **2:53**
